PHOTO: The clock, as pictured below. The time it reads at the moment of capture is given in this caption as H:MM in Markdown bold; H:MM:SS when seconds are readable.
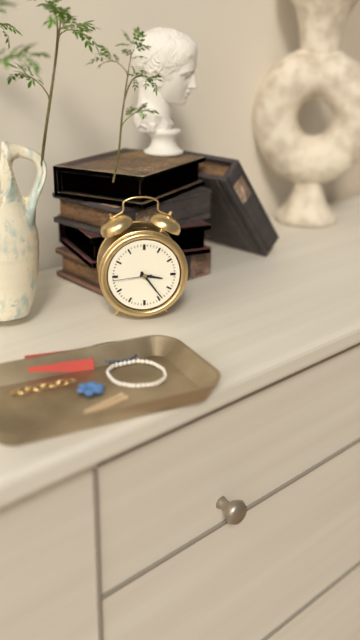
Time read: **3:24**
